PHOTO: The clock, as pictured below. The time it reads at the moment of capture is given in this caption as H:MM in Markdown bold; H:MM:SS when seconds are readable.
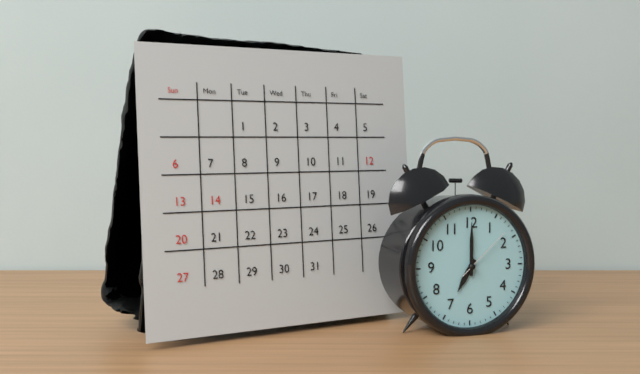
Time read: **7:00:08**
